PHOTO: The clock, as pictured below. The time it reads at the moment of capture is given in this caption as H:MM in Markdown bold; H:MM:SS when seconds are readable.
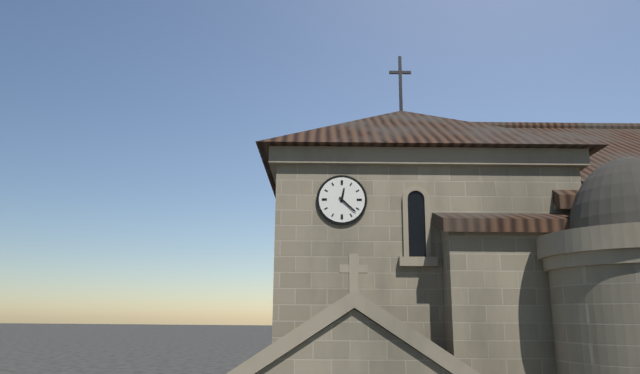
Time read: **12:22**
